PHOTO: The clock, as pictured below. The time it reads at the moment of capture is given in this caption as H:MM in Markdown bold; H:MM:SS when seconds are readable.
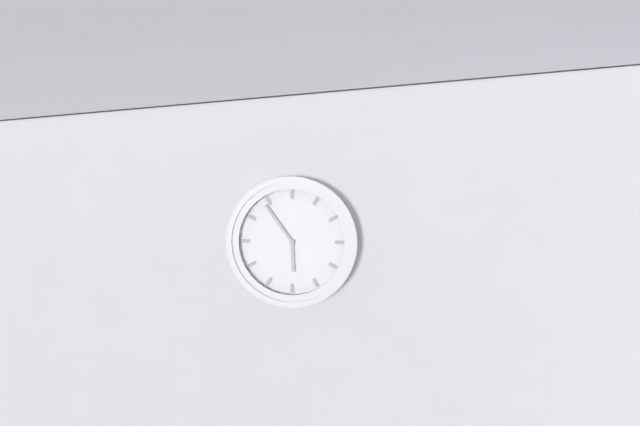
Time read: **5:54**
